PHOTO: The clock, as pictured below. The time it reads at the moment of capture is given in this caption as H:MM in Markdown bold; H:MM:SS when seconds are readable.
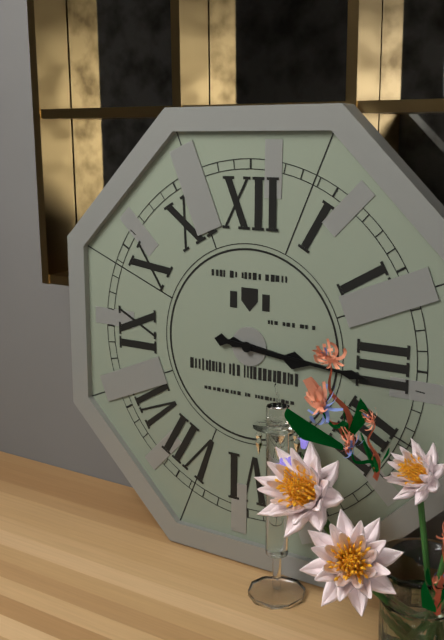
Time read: **3:16**
